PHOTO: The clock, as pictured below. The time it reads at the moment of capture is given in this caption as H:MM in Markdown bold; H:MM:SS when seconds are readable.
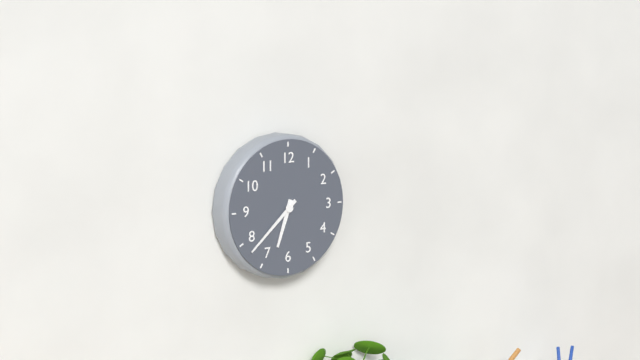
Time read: **6:38**
